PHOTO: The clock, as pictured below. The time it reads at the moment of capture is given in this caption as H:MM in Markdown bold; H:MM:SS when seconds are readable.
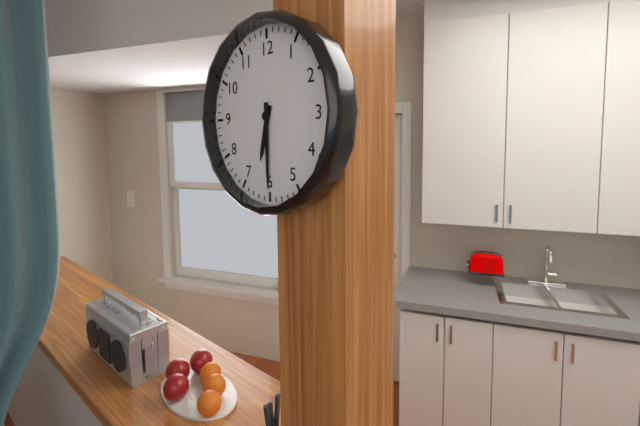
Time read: **6:30**
